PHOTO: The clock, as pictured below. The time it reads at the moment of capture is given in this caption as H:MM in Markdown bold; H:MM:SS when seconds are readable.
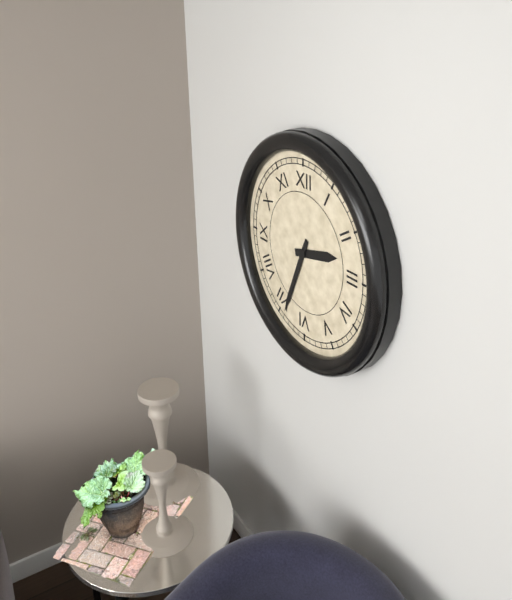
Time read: **2:34**
